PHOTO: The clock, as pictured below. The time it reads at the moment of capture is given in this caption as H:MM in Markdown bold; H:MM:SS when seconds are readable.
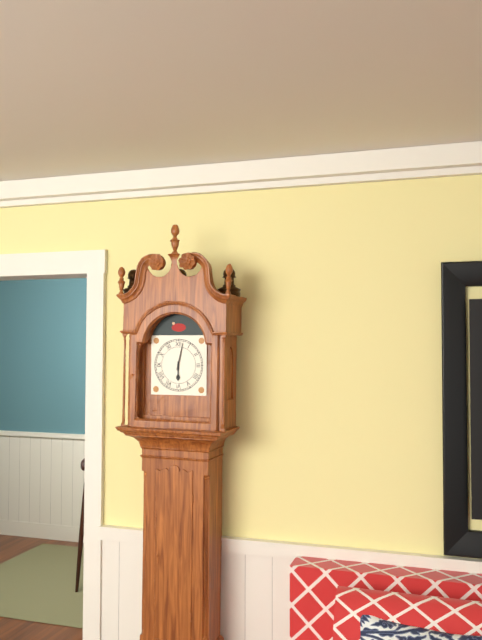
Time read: **6:02**
